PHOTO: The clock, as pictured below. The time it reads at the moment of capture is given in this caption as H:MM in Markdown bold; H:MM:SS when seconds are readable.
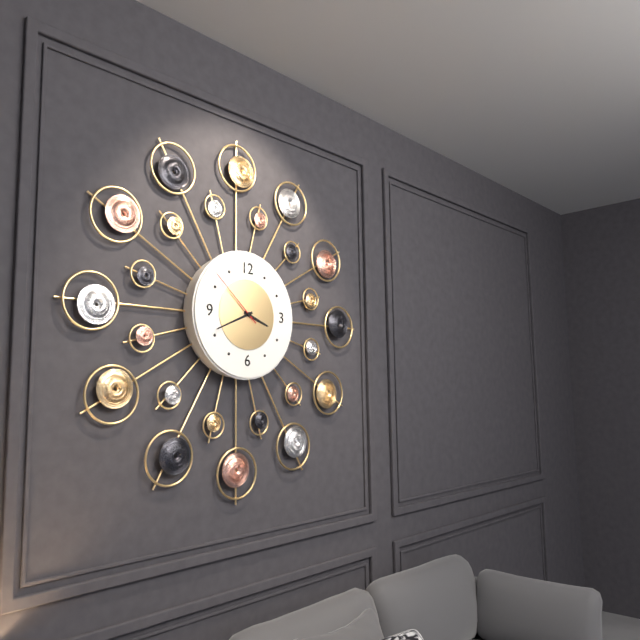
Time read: **3:41:52**
